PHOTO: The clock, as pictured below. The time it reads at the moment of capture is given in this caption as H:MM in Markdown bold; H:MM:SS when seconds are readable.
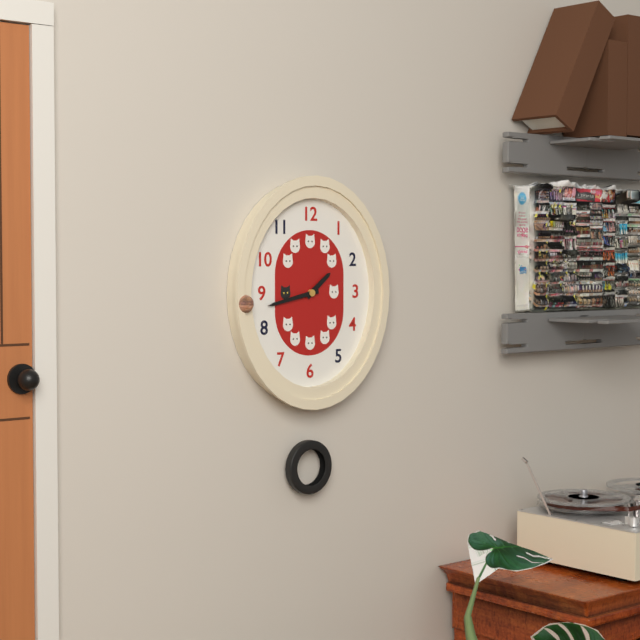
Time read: **1:43**
